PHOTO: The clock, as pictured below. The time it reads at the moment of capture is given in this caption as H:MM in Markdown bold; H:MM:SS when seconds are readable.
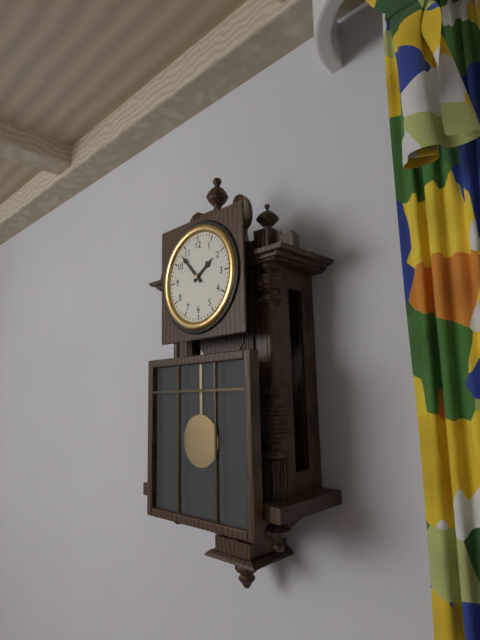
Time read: **1:53**
